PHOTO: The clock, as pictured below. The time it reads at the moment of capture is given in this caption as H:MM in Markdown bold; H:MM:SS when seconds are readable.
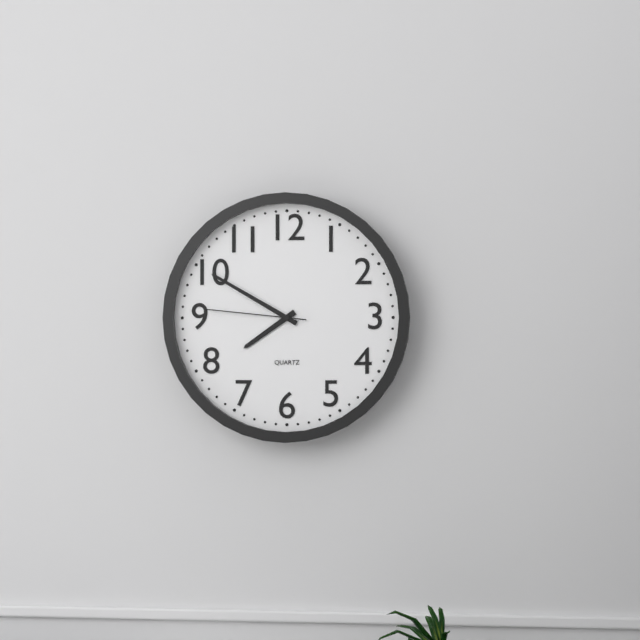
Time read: **7:50:46**
